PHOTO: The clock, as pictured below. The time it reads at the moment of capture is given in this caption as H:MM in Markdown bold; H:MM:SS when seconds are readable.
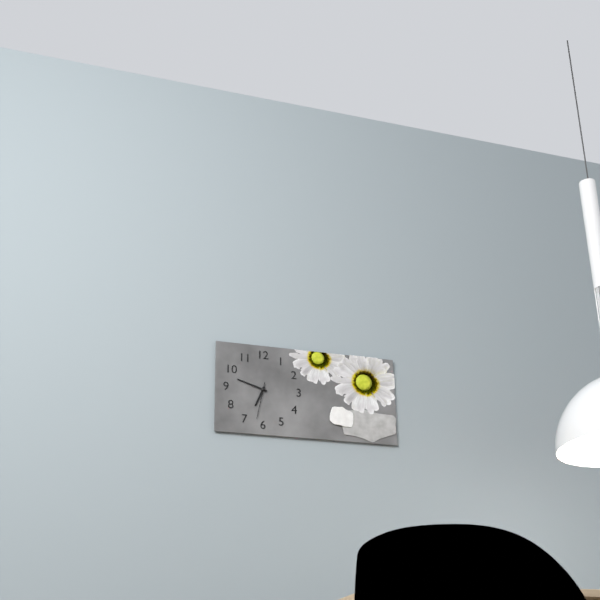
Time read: **6:48**
